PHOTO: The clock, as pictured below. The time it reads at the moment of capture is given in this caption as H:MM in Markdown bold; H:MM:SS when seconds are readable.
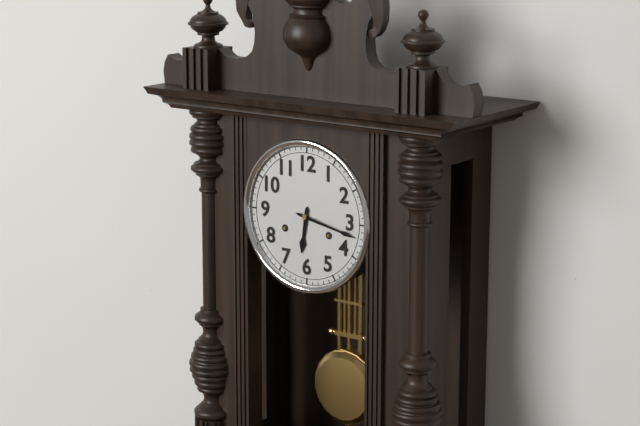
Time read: **6:17**
